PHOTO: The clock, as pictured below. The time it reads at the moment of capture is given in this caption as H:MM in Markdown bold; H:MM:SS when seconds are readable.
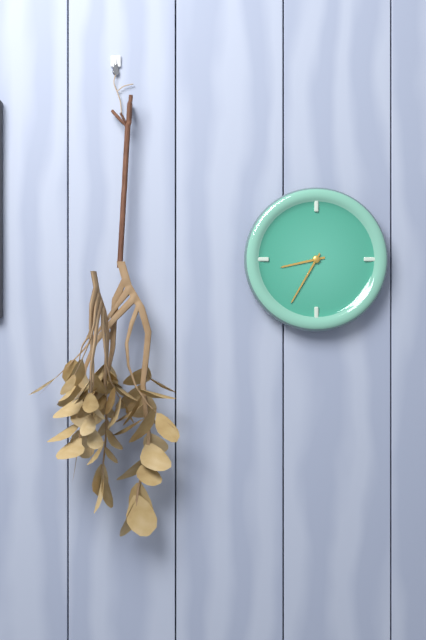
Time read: **8:35**
